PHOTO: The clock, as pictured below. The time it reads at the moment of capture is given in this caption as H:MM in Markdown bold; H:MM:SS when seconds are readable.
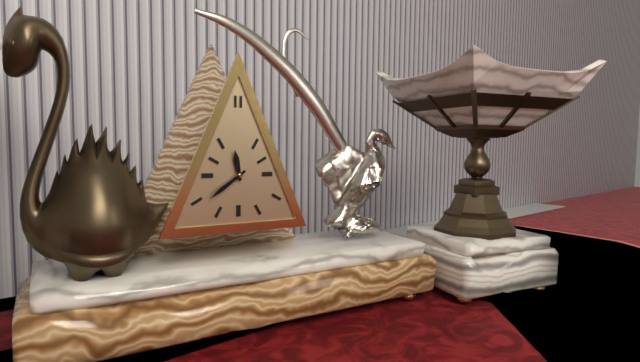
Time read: **11:39**
